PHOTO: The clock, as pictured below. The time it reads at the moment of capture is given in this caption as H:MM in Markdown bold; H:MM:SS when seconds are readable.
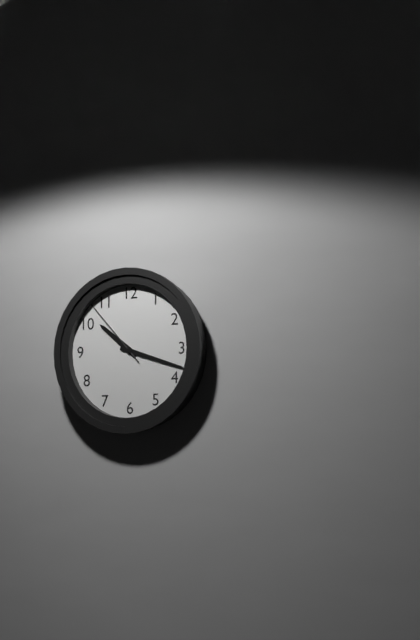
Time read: **10:18:53**
